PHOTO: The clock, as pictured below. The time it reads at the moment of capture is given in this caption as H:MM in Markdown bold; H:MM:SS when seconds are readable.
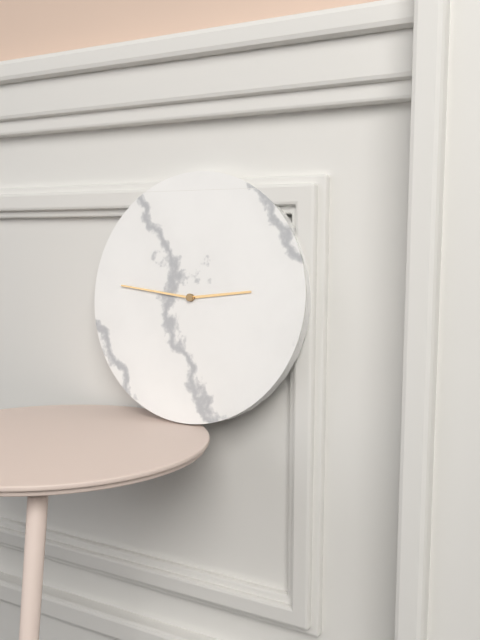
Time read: **2:46**
